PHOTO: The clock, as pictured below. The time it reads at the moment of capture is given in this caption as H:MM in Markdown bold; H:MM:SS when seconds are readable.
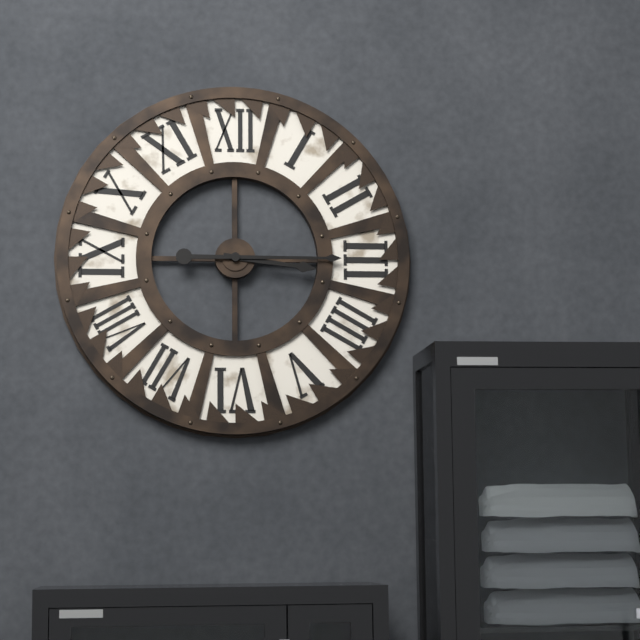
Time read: **3:15**
